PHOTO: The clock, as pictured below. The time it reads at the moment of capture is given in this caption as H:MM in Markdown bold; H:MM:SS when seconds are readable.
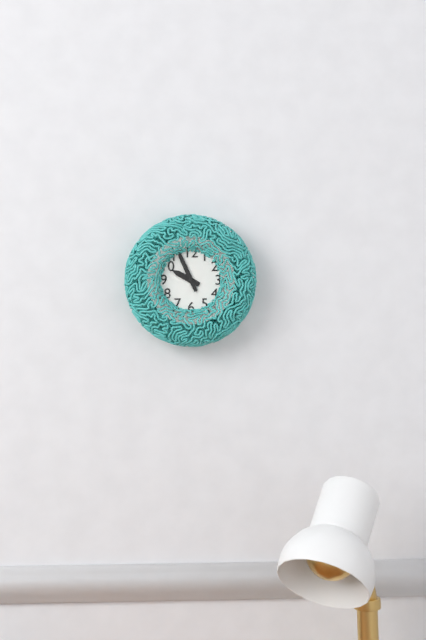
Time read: **9:56**
